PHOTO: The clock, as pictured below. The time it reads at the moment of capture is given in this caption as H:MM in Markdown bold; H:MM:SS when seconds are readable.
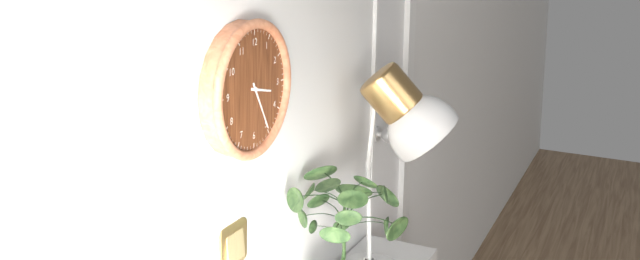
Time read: **3:25**
